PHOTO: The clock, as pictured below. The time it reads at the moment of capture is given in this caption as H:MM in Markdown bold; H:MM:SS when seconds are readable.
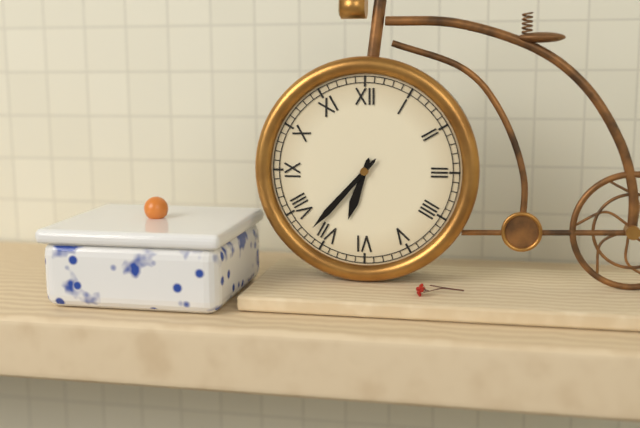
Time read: **6:37**
